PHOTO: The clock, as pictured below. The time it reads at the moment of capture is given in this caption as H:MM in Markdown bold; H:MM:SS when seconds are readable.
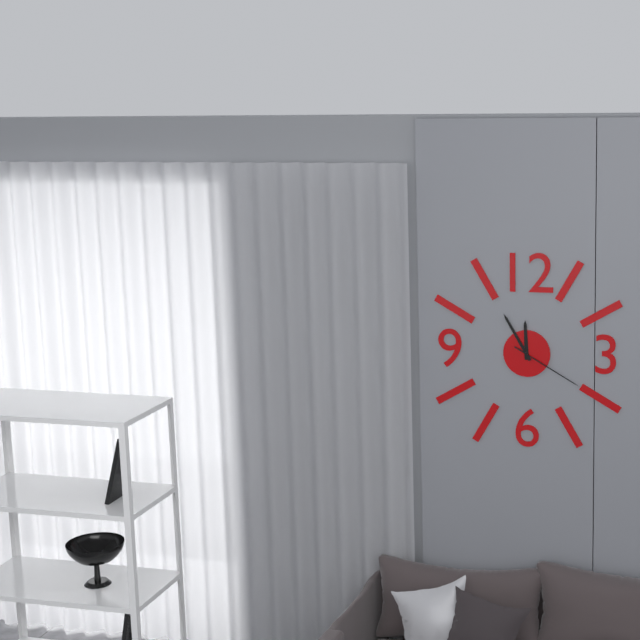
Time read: **11:55:20**
